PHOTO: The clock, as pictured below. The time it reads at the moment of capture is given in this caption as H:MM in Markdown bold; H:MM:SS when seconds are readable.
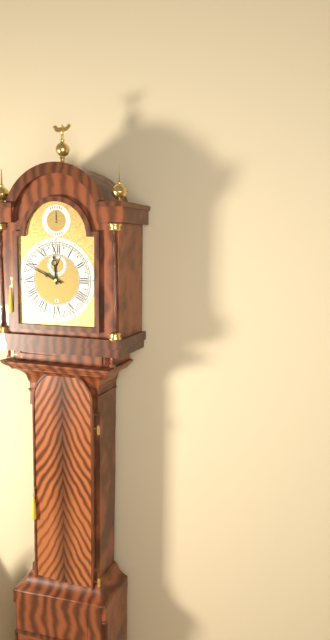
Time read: **11:49**
